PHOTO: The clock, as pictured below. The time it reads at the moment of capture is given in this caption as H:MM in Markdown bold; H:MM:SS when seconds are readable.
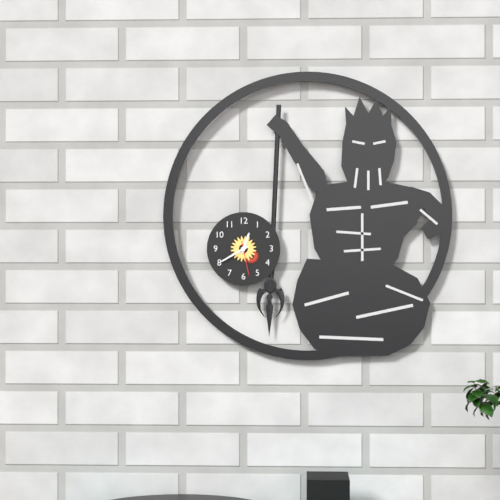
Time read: **12:40**
